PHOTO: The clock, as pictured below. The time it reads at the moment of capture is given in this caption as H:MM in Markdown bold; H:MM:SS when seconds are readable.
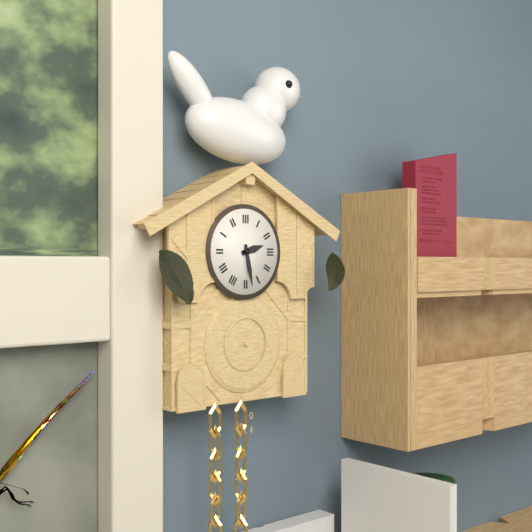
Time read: **2:28**
